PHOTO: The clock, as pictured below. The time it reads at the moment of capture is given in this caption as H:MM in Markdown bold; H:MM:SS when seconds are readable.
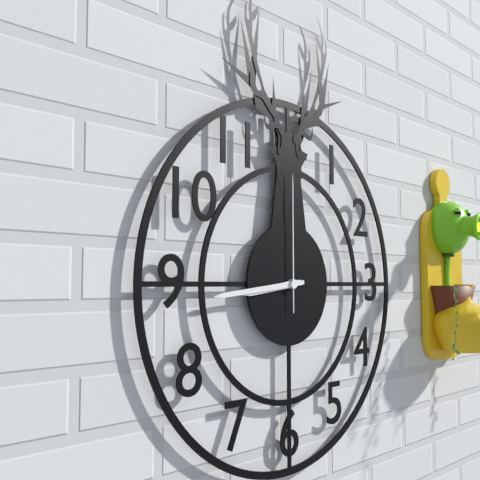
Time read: **8:44:00**
